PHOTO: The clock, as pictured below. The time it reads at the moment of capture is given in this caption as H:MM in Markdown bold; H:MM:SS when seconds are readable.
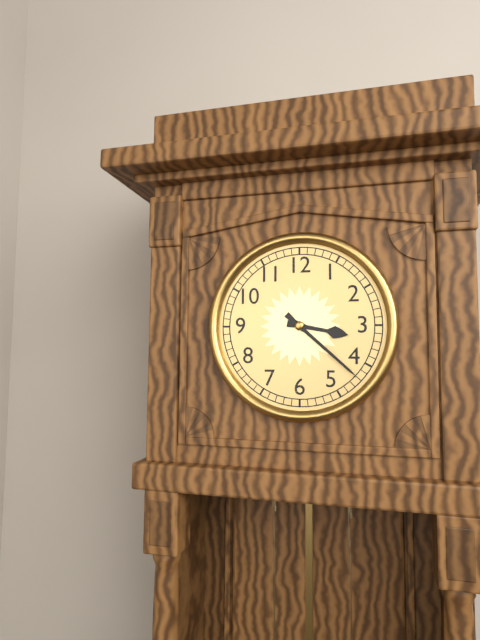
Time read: **3:22**
